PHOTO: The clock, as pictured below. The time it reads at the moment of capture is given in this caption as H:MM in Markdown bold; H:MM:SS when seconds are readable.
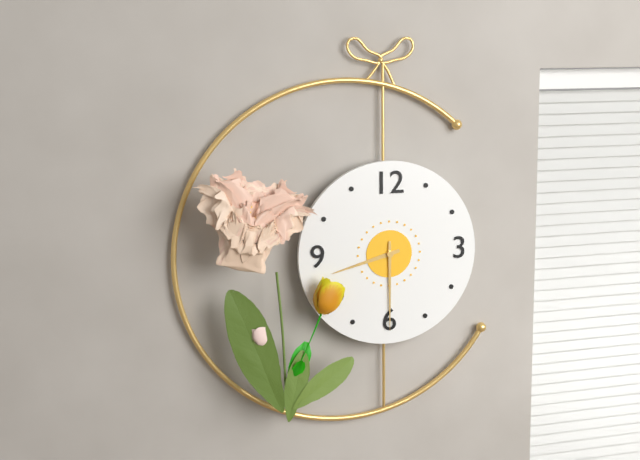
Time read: **8:30**
